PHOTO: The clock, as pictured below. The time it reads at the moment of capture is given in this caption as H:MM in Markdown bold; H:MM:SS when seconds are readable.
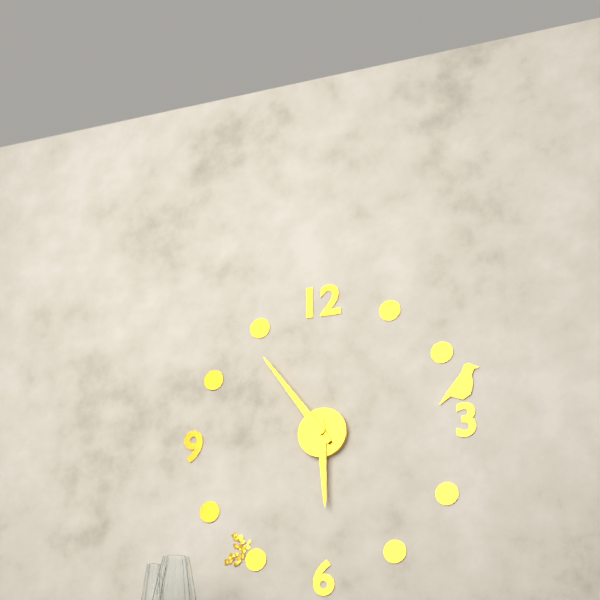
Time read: **5:54**
